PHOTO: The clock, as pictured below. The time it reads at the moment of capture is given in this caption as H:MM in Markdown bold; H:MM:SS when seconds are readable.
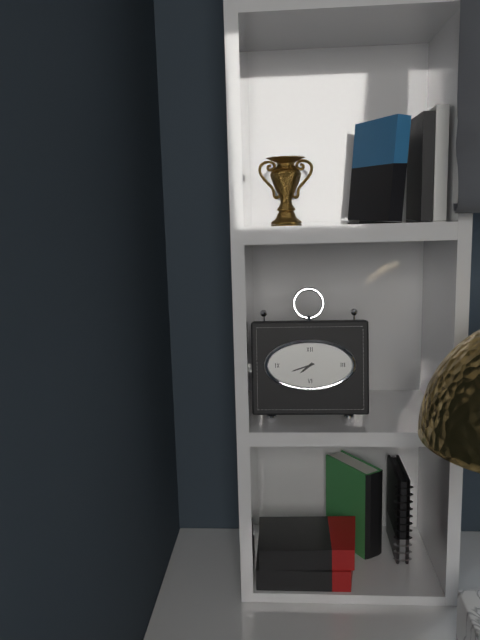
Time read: **7:42**
